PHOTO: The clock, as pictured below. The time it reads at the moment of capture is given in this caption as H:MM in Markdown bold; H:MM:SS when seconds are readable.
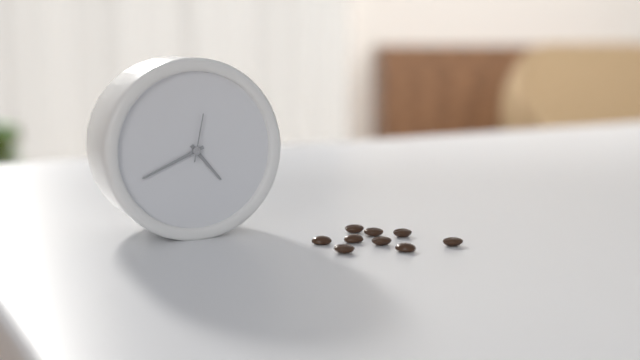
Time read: **4:41**
